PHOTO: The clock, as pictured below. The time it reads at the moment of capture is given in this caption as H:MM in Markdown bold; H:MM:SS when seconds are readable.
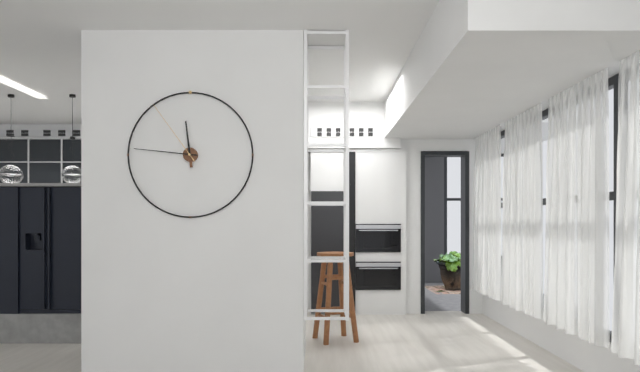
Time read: **11:46:54**
